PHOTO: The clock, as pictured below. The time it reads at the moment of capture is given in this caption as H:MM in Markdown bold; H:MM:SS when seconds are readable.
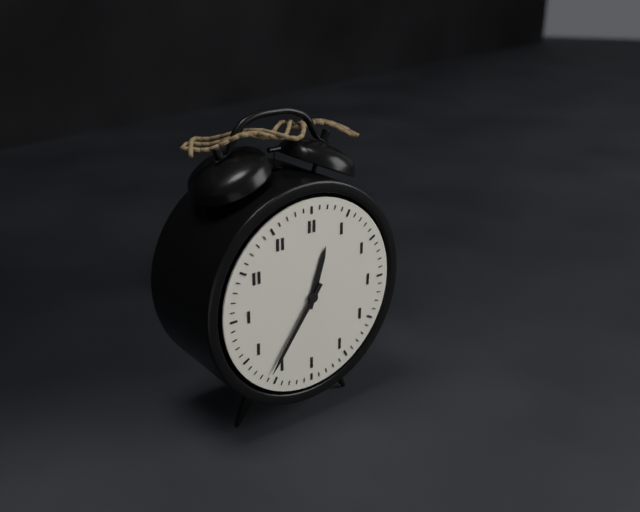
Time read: **12:36**
